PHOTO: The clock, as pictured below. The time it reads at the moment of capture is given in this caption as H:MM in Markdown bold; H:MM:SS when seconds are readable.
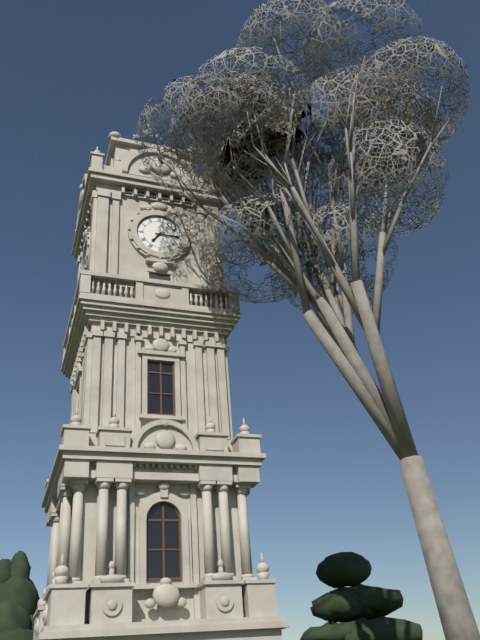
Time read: **7:15**
